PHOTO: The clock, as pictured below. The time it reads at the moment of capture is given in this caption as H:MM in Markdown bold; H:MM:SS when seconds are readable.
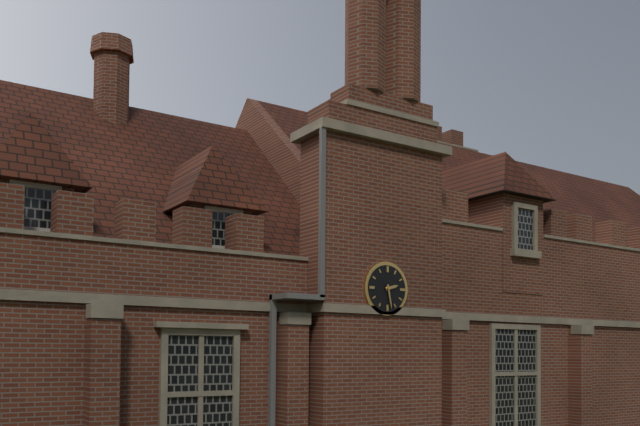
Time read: **2:28**
